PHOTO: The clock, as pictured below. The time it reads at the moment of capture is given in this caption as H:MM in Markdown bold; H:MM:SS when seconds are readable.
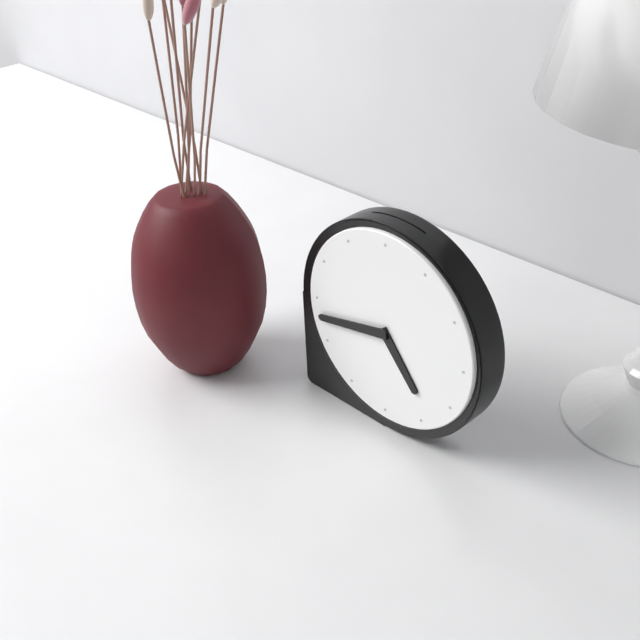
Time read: **4:43**
